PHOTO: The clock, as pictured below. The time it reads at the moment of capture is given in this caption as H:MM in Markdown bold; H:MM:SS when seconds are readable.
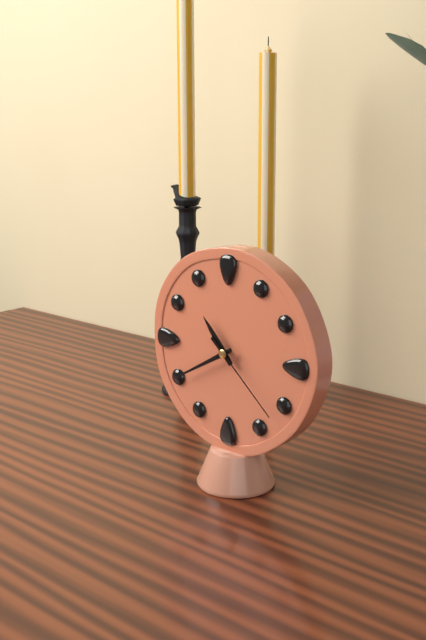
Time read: **10:40:22**
